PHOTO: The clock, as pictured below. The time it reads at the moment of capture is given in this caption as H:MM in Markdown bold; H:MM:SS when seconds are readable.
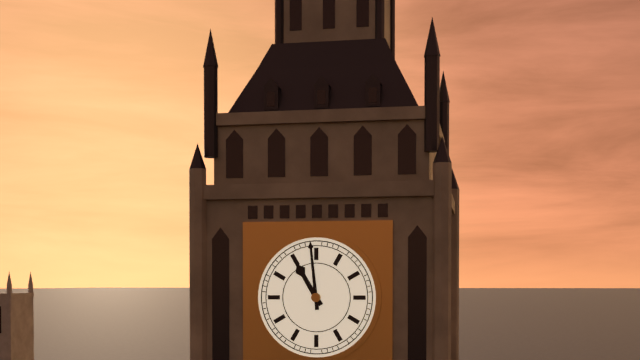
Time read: **10:59**
